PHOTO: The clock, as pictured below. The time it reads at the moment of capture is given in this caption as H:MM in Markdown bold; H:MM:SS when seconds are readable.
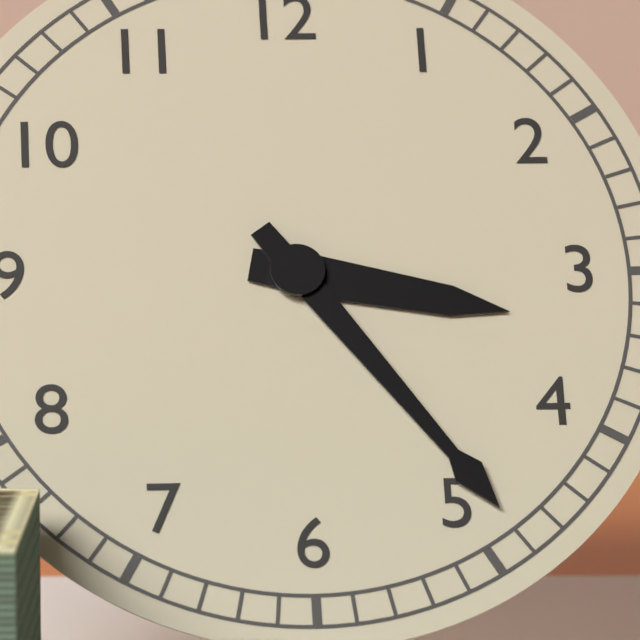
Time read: **3:24**
